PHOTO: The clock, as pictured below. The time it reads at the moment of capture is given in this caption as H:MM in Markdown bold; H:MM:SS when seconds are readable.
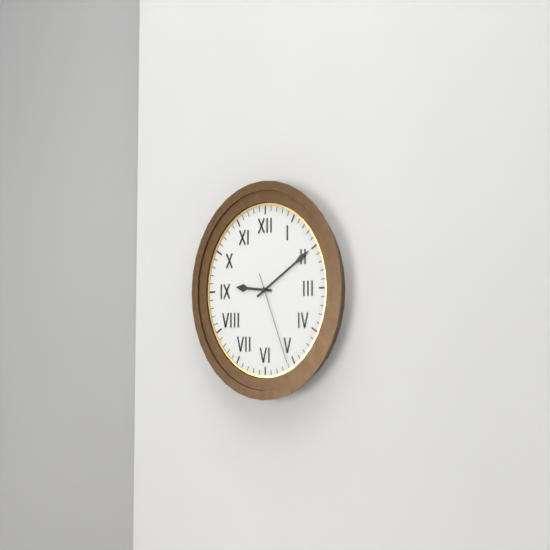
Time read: **9:10:26**
